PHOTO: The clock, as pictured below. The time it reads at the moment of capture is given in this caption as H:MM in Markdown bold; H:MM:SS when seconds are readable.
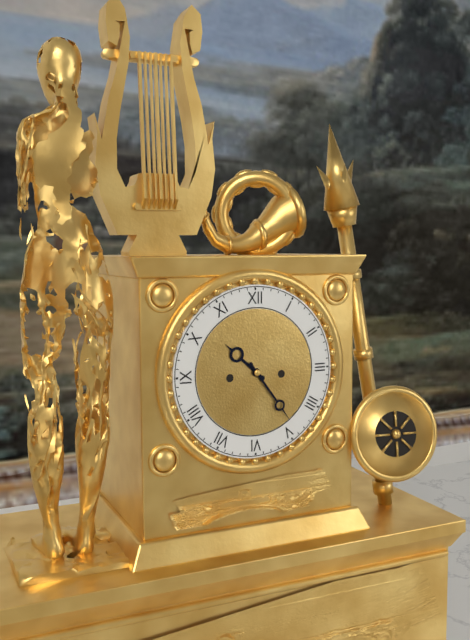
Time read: **10:24**
